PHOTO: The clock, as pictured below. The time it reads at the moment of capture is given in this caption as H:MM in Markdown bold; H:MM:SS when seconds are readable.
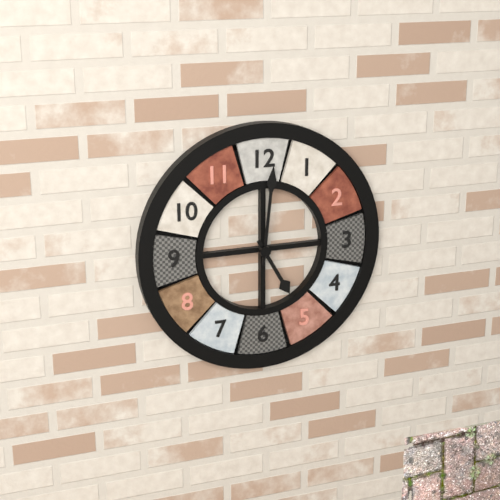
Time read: **5:01**
